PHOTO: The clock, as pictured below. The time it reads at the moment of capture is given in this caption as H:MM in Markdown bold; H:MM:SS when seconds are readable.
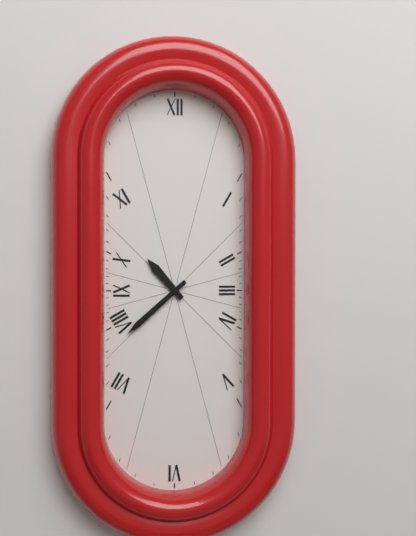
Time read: **10:38**
